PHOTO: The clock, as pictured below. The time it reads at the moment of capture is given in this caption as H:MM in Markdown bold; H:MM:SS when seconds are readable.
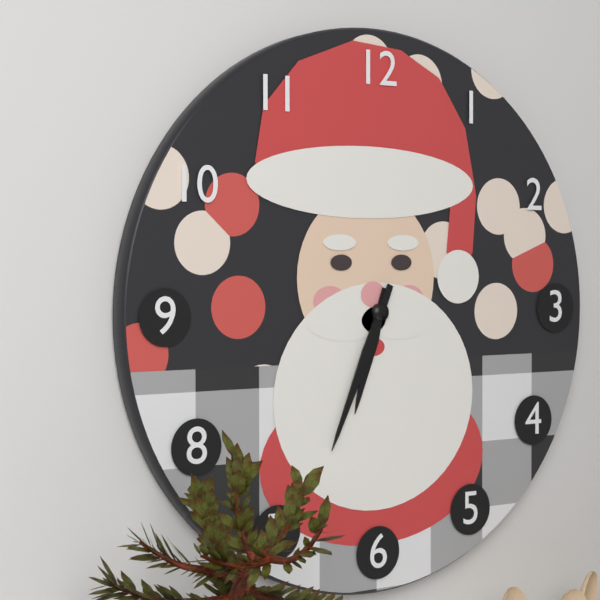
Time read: **6:34**
